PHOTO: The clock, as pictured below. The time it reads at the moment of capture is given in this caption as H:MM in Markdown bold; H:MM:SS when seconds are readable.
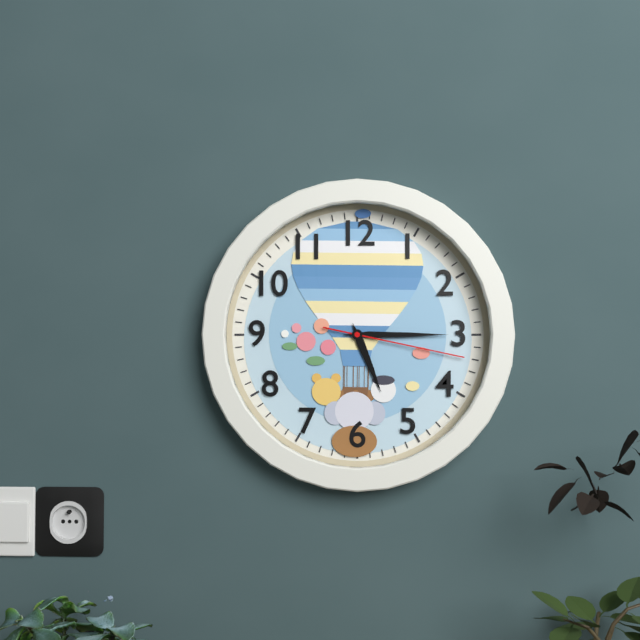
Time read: **5:15:17**
